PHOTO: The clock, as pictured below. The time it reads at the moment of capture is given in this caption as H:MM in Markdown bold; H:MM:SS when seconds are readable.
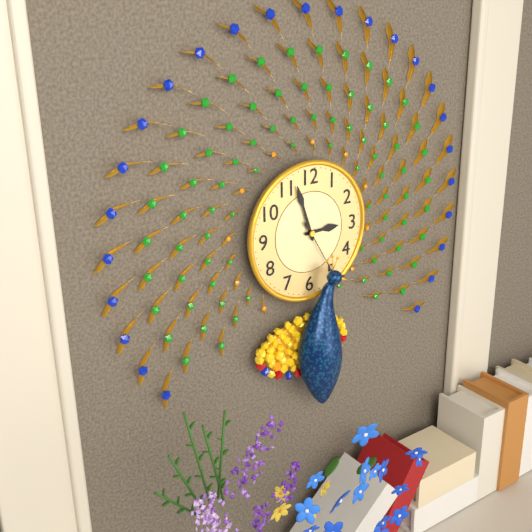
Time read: **2:57:25**
